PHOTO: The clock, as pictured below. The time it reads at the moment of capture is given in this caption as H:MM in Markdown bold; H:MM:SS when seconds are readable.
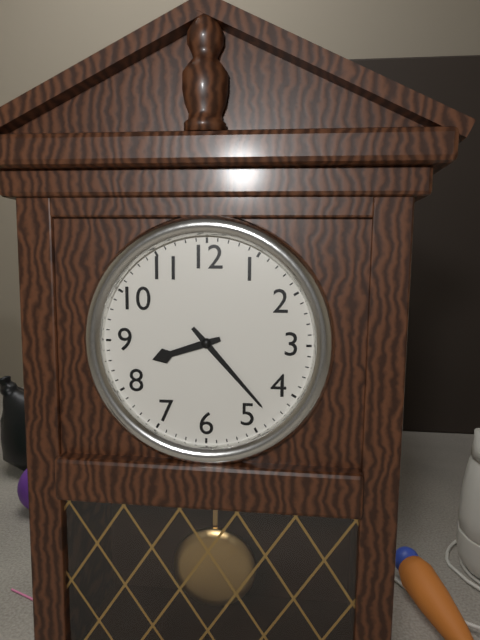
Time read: **8:23**
